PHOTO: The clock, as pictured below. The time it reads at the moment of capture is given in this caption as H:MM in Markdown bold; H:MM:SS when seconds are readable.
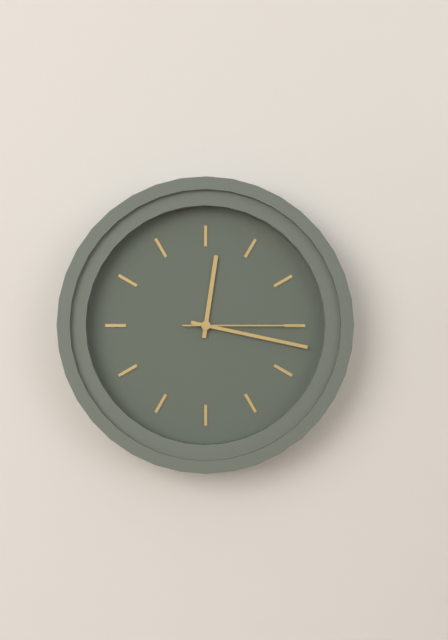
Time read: **12:17:15**
